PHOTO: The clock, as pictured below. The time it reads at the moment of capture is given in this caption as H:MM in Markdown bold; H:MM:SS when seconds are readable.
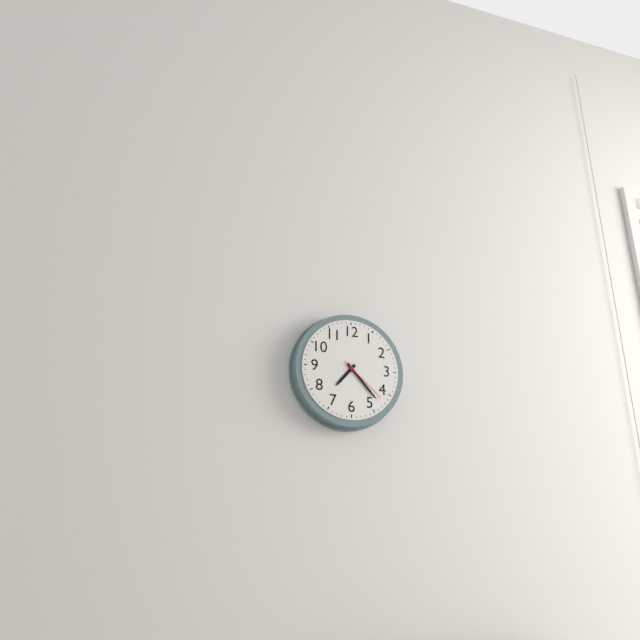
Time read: **7:23:22**
